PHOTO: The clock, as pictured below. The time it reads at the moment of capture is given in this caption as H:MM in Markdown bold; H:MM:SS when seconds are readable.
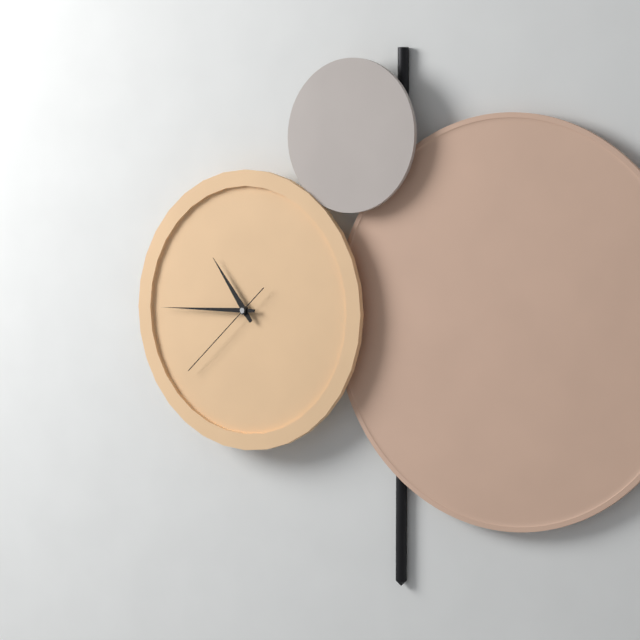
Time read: **10:45:38**
